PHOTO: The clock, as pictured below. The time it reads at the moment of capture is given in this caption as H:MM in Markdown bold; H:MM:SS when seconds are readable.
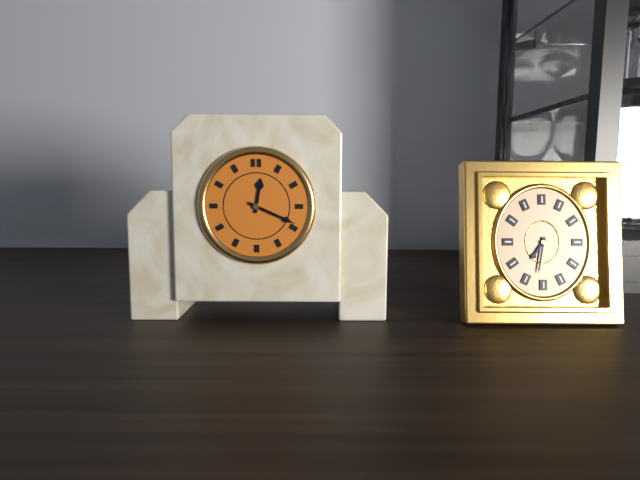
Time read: **12:19**
